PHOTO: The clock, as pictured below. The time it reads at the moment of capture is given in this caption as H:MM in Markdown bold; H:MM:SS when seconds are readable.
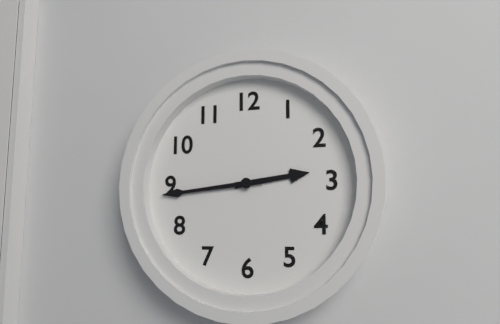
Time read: **2:44**
